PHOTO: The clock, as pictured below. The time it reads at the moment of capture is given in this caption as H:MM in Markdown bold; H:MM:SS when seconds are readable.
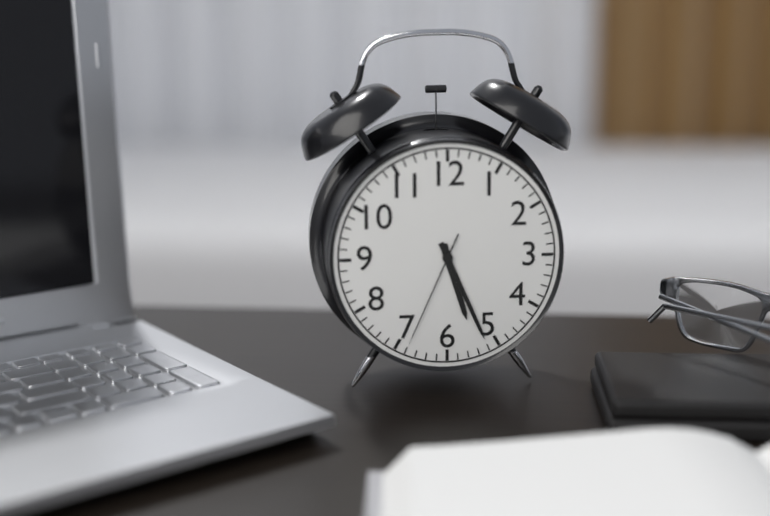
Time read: **5:26:34**
